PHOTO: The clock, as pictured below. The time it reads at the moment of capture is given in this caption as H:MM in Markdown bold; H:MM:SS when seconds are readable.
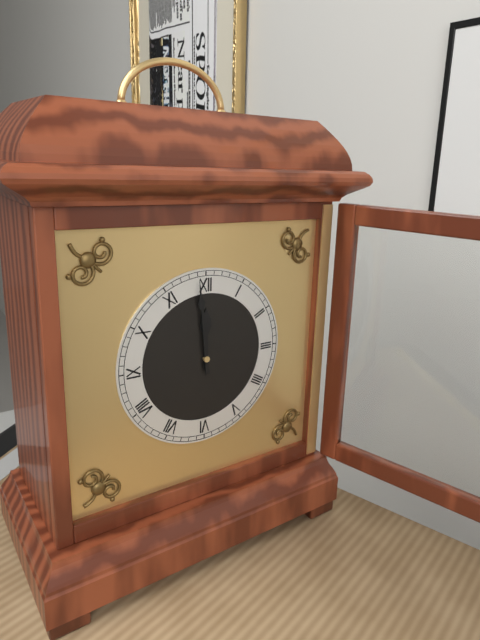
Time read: **11:59**
